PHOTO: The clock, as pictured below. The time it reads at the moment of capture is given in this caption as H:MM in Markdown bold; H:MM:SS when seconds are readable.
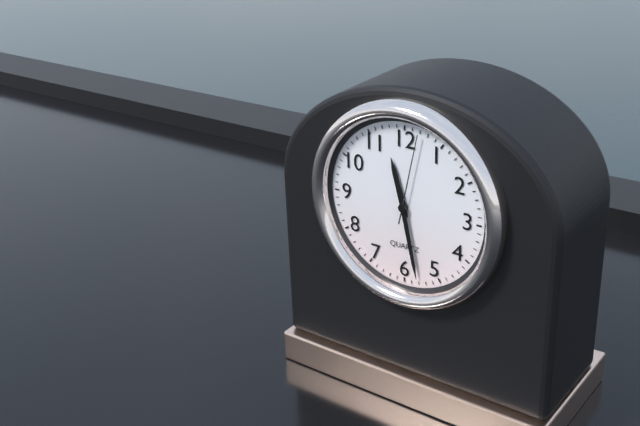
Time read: **11:28:02**
